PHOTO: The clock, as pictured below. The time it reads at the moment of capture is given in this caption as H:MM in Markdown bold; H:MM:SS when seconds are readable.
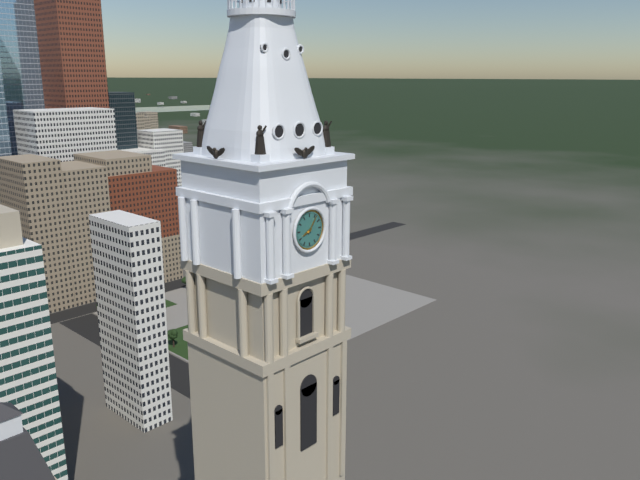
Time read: **8:06**
